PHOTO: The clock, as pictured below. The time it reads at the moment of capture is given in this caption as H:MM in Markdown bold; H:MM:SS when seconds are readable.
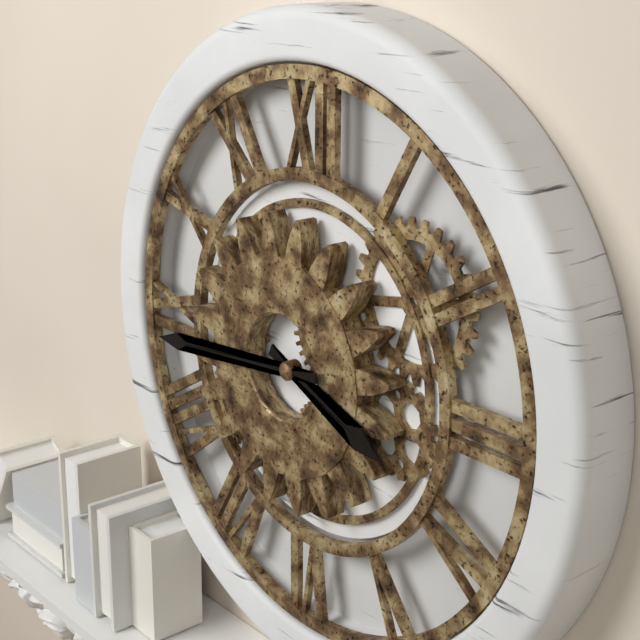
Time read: **3:44**
